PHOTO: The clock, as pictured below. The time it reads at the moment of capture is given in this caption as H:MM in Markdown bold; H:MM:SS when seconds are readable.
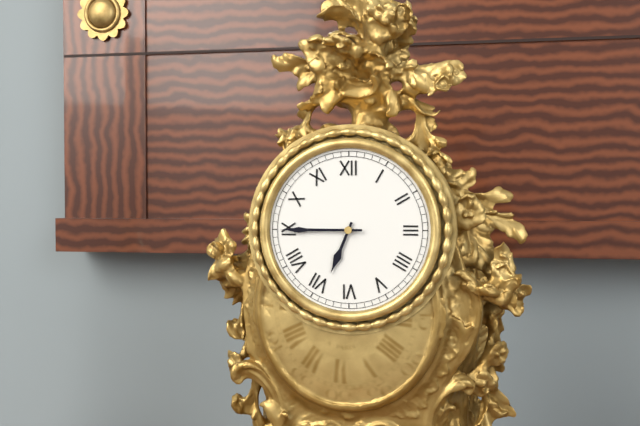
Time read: **6:45**
